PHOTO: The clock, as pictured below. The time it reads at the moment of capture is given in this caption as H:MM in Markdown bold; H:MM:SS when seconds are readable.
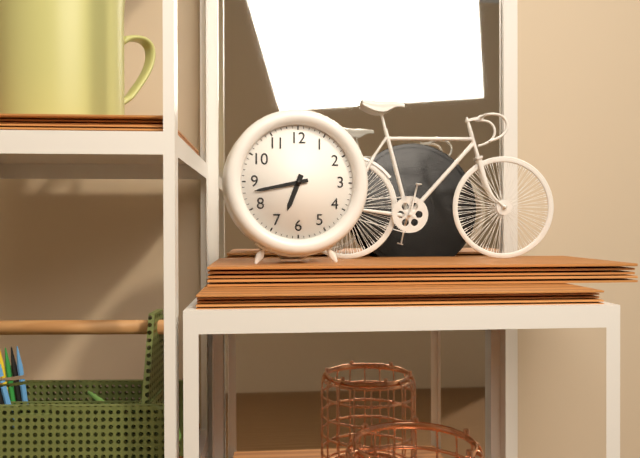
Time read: **6:43**
